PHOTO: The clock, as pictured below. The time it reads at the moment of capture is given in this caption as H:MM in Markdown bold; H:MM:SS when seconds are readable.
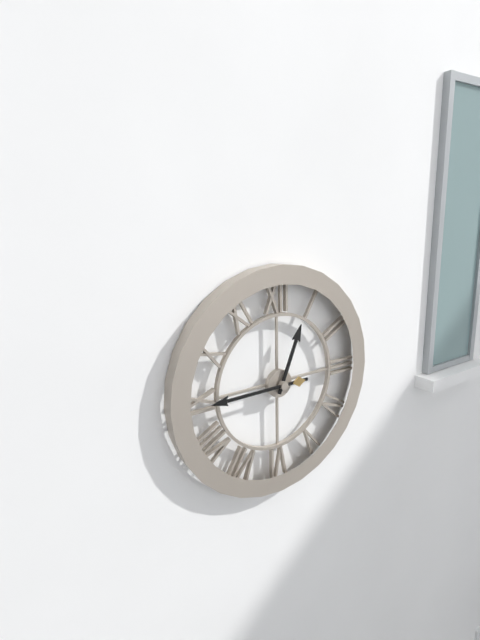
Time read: **12:45**
